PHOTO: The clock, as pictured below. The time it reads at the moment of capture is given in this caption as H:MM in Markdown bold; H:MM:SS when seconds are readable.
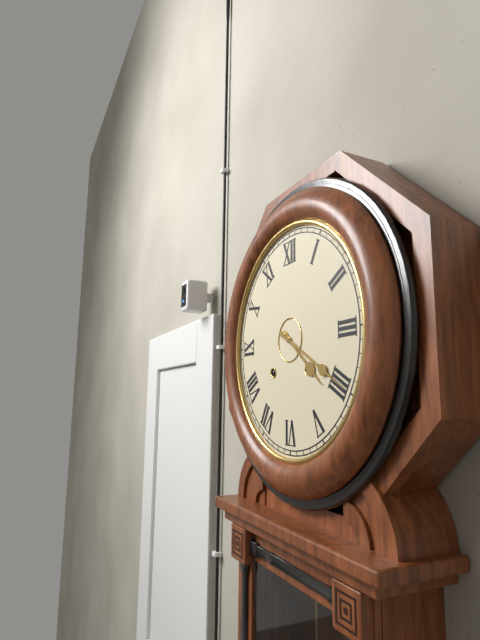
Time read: **4:20**
